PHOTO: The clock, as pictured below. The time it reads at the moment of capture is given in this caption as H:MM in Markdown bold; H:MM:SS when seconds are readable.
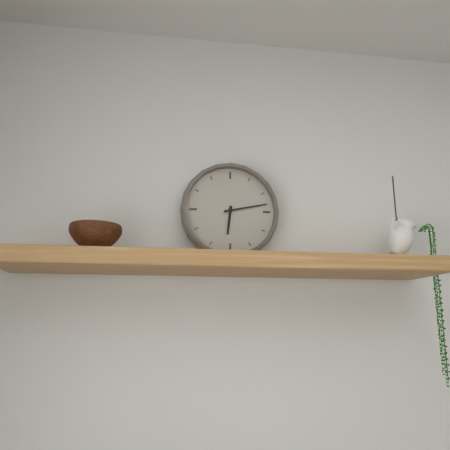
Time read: **6:13**
